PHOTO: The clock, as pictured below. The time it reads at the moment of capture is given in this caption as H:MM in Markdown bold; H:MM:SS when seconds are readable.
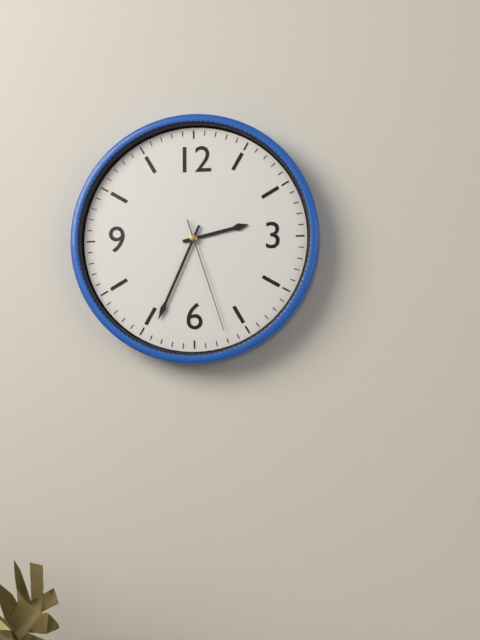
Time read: **2:34:27**
